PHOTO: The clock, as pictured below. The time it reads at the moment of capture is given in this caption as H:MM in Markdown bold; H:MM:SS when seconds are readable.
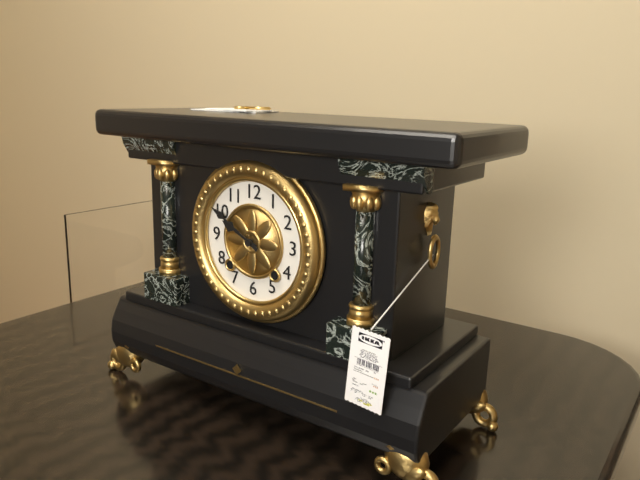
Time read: **9:50**
